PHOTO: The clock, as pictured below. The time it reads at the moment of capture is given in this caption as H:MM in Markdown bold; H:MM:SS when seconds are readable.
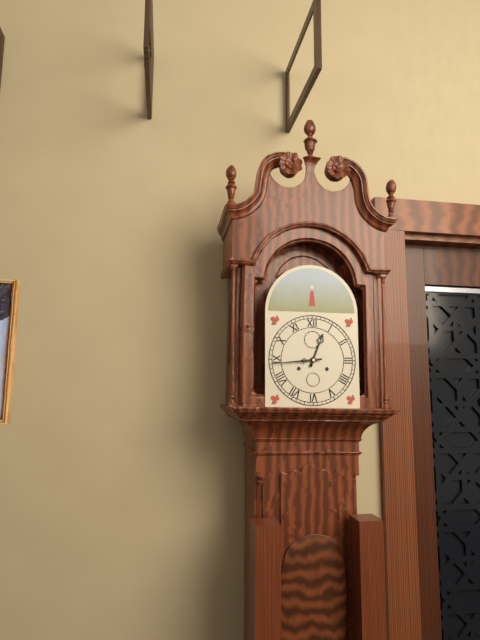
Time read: **12:44**
